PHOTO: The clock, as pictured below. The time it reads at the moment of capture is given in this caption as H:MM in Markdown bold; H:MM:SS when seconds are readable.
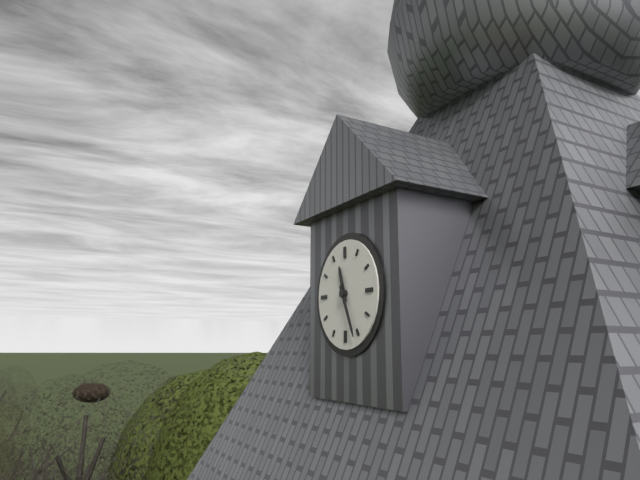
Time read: **11:26**
